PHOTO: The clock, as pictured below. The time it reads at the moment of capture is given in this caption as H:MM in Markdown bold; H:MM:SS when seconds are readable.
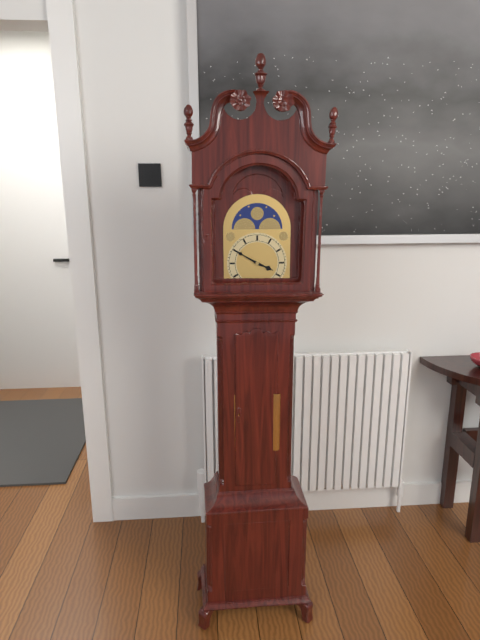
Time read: **3:50**
